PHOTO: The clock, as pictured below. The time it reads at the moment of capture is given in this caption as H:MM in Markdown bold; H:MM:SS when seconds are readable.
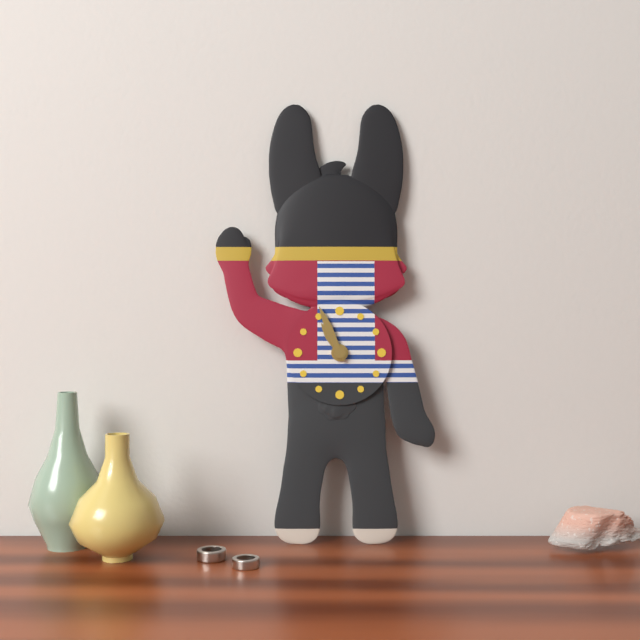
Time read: **10:56**
